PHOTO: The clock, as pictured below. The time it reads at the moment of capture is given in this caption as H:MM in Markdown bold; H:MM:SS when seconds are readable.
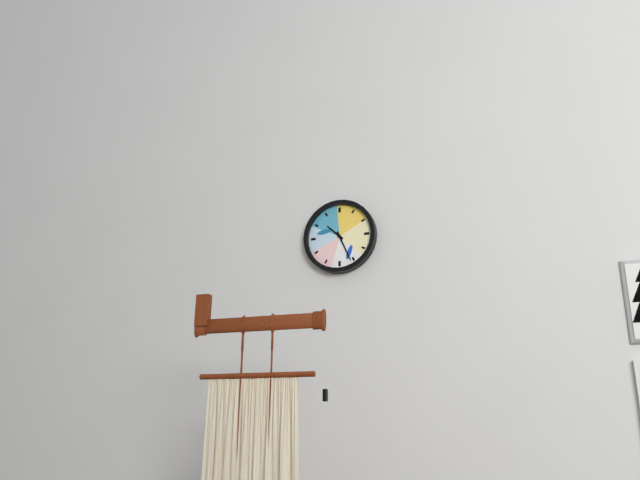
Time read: **10:26**
